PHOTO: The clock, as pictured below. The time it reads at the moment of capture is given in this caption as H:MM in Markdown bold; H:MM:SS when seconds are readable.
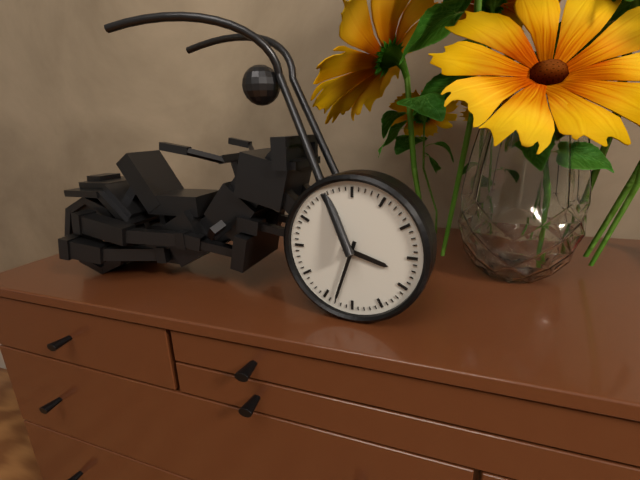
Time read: **3:33**
